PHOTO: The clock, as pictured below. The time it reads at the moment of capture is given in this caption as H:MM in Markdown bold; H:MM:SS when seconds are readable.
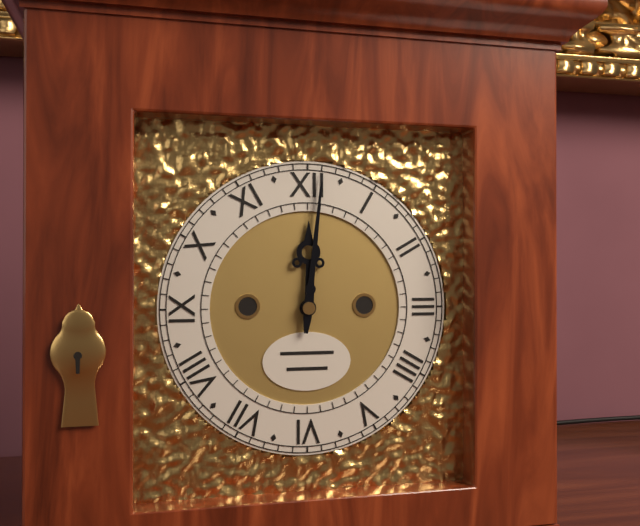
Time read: **12:01**
